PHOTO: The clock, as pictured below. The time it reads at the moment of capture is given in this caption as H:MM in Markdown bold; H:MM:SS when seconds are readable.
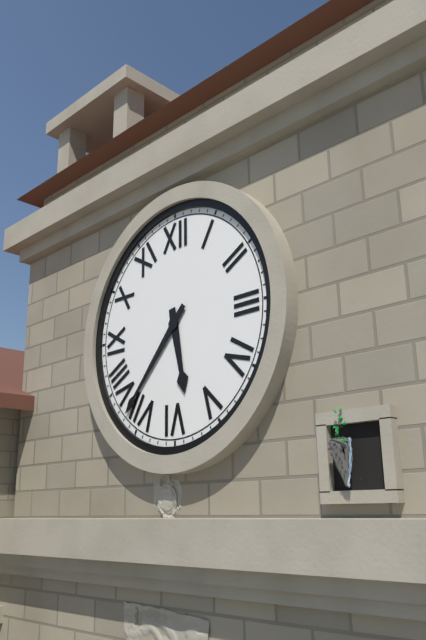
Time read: **5:37**
